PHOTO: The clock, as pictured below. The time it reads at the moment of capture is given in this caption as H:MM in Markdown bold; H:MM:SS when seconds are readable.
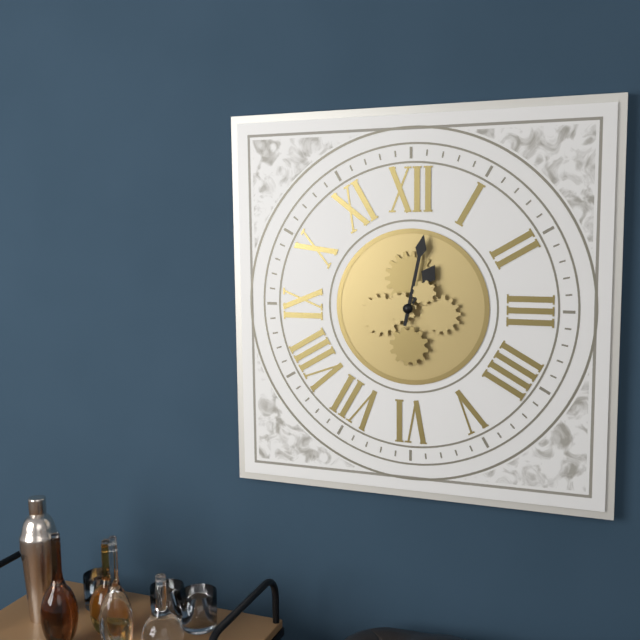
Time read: **1:02**
